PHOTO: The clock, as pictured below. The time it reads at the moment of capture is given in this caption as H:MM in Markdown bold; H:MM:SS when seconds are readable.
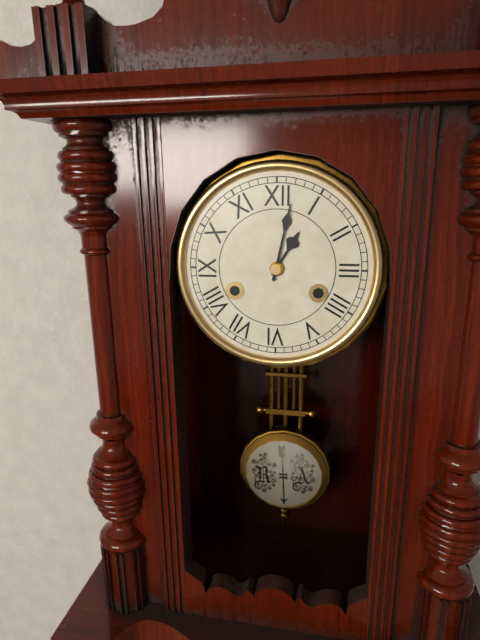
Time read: **1:02**
